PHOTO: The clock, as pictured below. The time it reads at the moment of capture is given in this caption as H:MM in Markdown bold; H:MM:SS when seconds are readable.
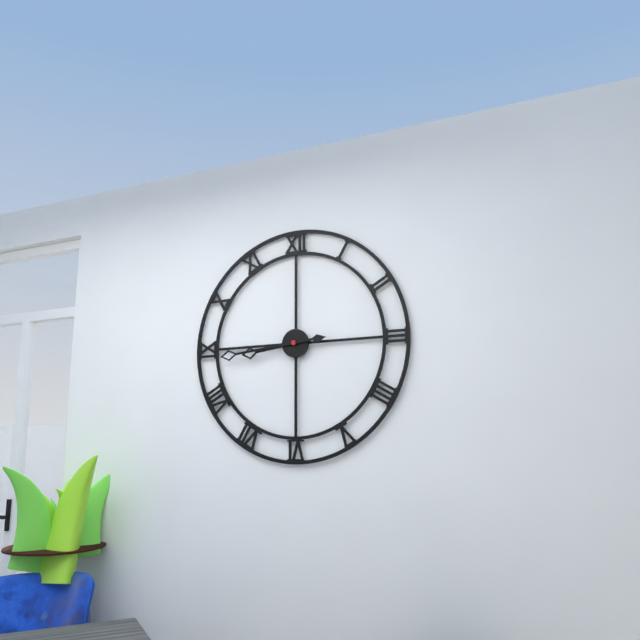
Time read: **8:44**
